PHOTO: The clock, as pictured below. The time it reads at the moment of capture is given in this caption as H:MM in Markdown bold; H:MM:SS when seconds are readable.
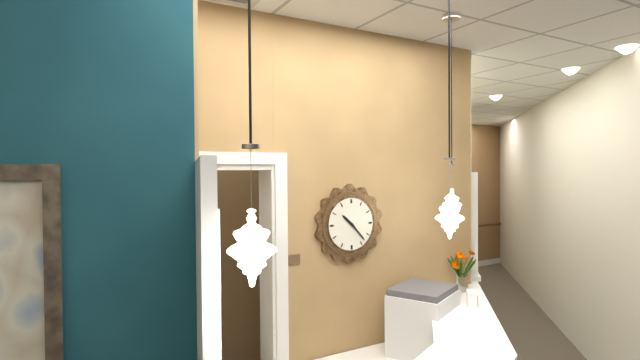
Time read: **10:23**
